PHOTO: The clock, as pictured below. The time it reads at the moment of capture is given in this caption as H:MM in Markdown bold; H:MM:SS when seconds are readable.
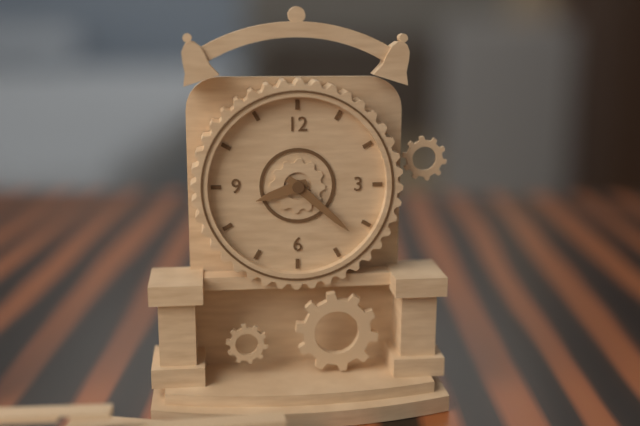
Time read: **8:22**
